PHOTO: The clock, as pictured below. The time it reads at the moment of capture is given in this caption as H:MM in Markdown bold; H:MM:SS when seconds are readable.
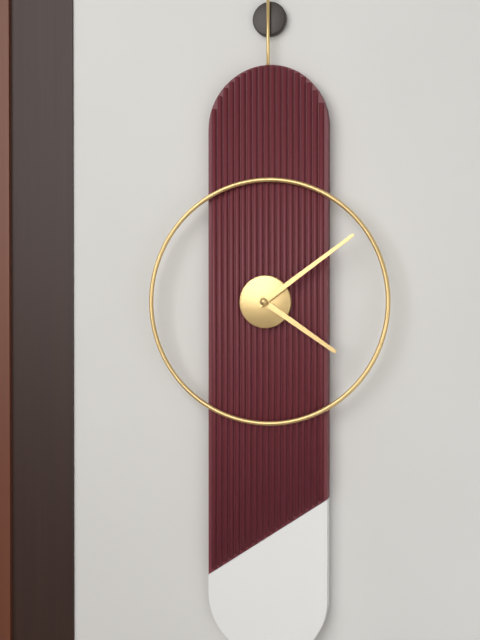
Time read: **4:09**
